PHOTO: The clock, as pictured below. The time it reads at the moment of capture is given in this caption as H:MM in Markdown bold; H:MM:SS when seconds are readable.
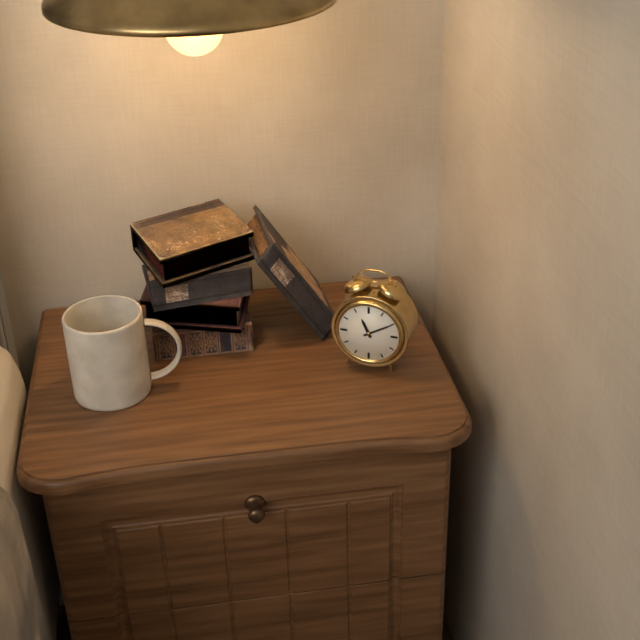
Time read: **11:10**
